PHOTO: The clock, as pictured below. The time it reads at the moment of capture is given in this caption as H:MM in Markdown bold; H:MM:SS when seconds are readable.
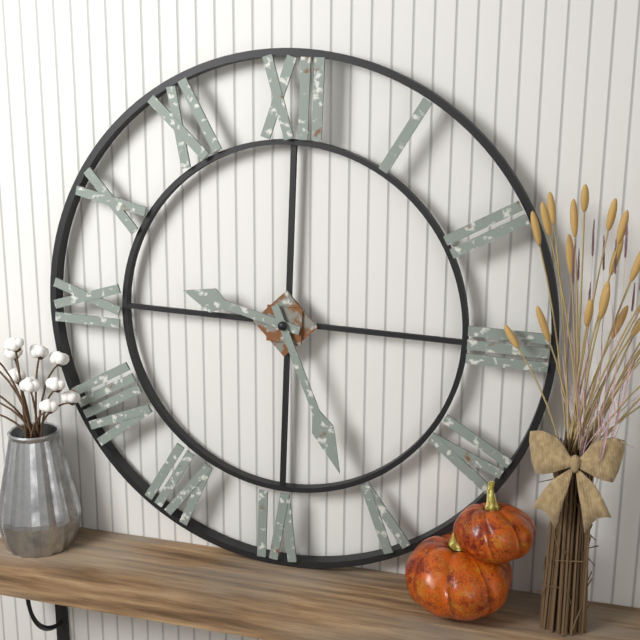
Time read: **9:26**
